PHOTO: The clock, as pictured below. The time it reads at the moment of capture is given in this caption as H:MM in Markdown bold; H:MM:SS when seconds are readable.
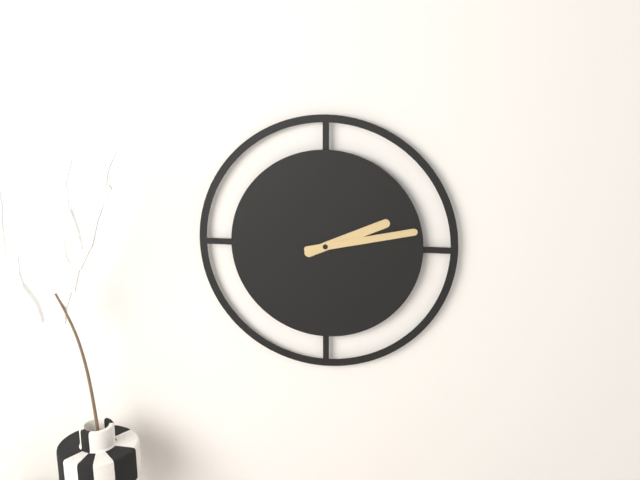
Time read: **2:13**
